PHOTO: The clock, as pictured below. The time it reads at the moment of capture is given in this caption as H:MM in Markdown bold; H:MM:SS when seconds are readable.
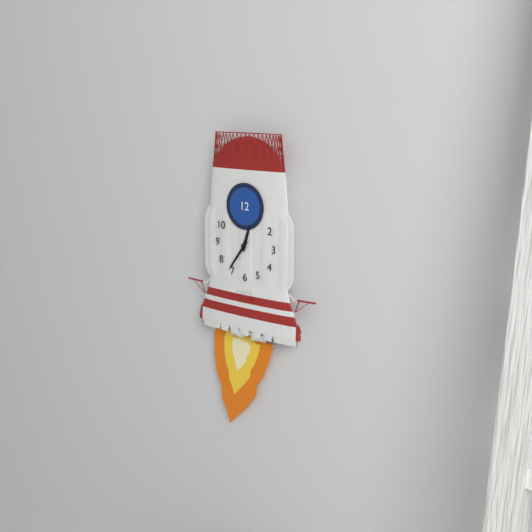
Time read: **12:36**
